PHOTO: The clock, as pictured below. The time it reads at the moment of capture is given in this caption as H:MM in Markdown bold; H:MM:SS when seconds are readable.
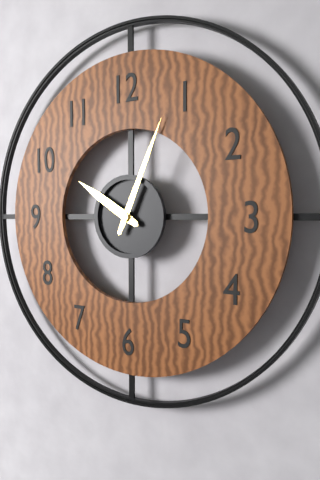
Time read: **10:04**
